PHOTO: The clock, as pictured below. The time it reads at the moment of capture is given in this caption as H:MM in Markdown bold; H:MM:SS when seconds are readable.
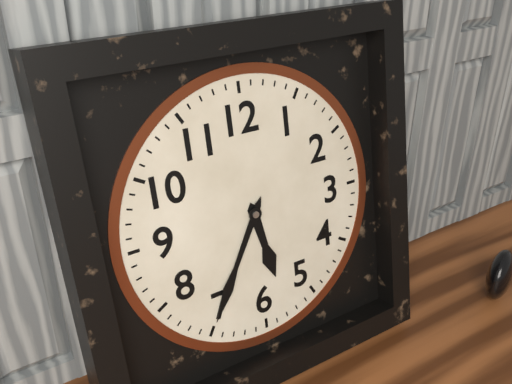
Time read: **5:35**
